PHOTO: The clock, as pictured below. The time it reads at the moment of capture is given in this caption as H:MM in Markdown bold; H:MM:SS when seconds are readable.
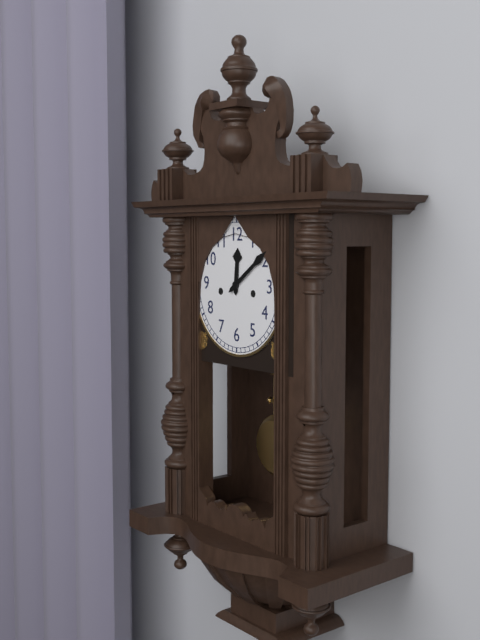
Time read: **12:09**
